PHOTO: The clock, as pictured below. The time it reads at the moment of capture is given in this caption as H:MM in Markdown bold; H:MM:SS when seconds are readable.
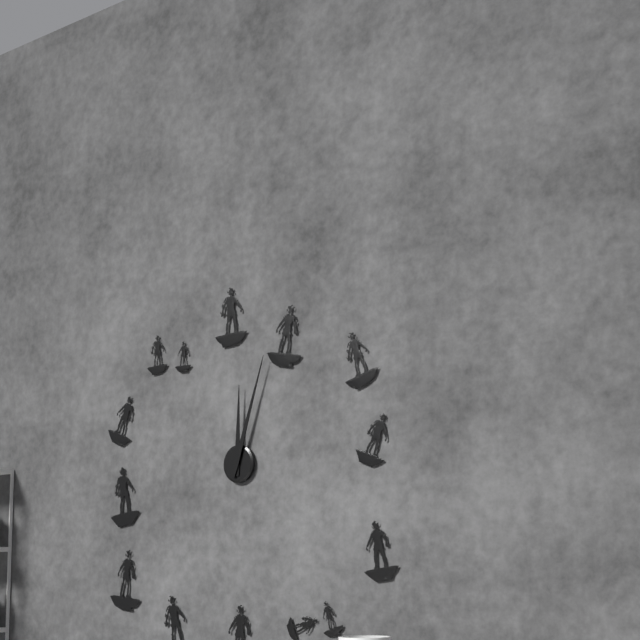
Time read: **12:03**
